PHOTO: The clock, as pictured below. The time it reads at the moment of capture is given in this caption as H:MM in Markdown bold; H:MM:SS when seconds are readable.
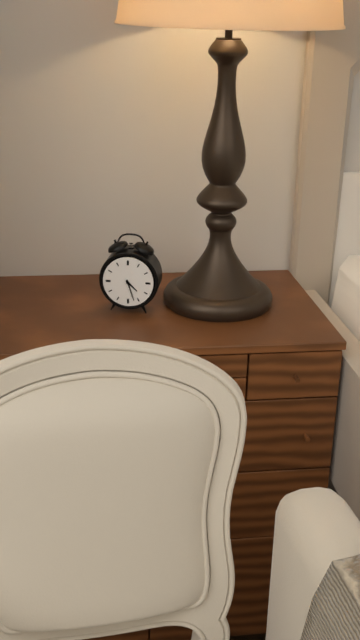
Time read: **4:27**
